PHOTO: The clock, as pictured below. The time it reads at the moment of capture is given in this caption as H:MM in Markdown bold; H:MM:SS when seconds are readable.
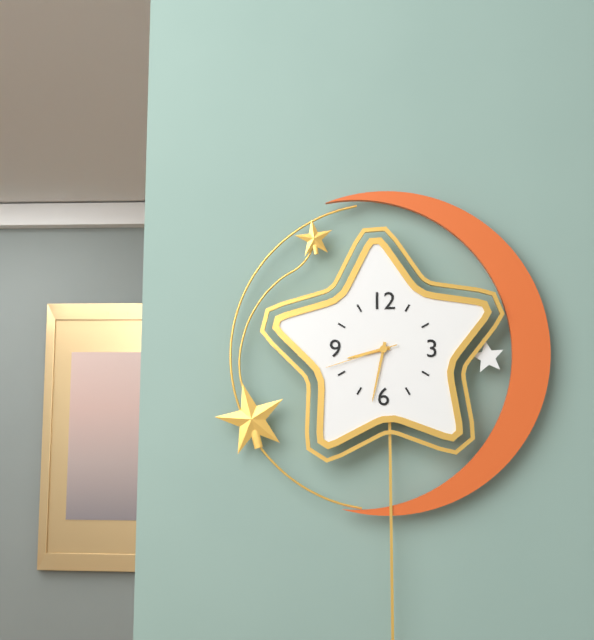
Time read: **8:32:42**
